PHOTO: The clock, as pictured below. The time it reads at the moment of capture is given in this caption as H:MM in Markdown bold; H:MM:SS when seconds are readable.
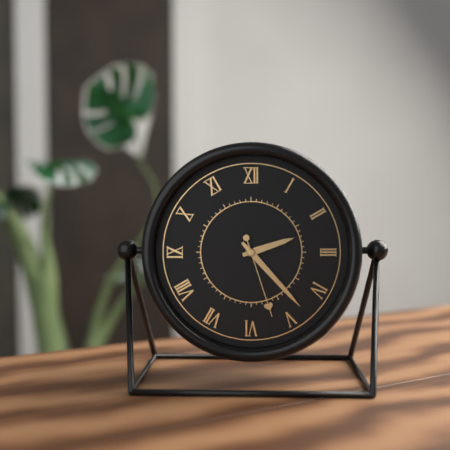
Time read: **2:23:27**
